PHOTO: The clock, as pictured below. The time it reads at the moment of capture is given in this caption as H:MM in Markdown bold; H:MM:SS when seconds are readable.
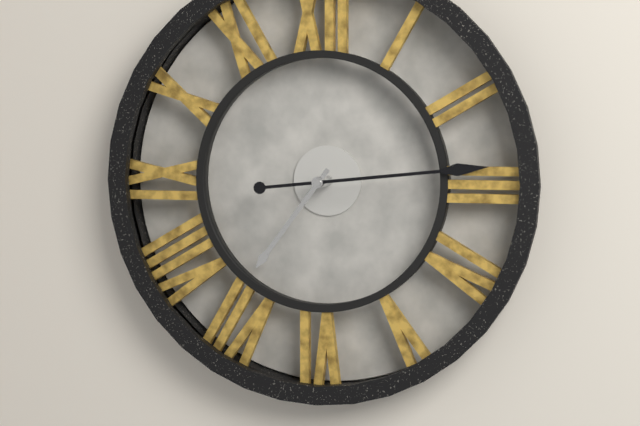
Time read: **7:14**
